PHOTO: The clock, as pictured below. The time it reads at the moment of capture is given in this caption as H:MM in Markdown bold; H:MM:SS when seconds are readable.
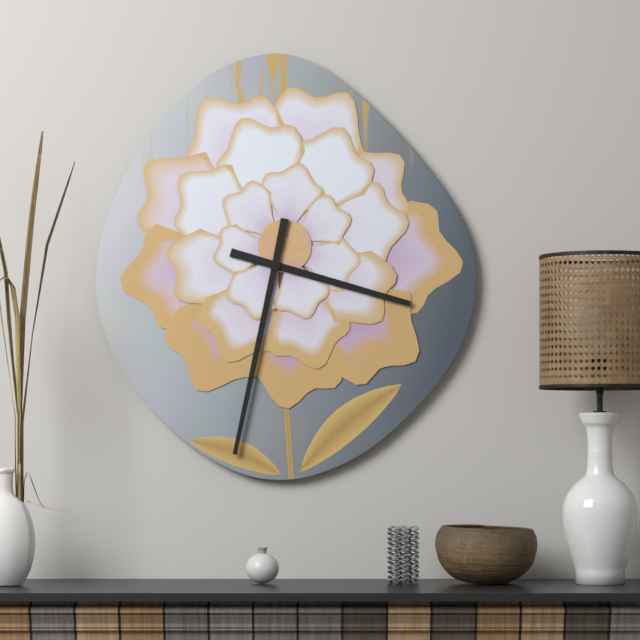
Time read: **3:32**
